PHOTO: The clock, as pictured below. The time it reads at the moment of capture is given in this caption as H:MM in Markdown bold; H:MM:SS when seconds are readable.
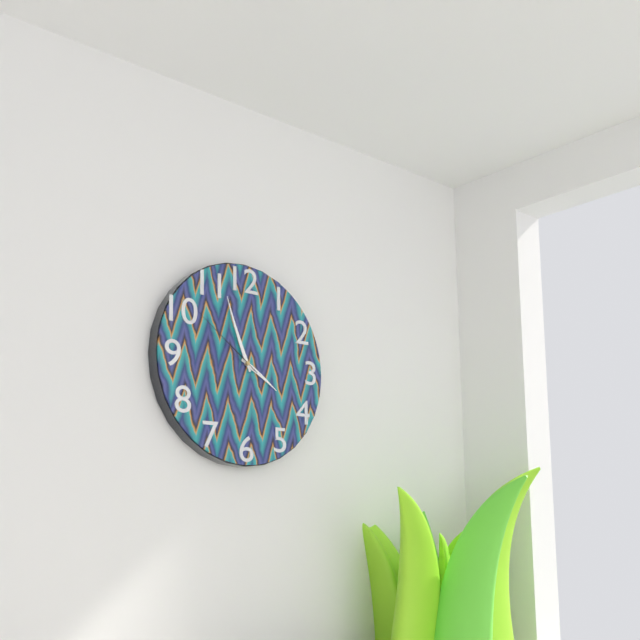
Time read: **3:56:51**
